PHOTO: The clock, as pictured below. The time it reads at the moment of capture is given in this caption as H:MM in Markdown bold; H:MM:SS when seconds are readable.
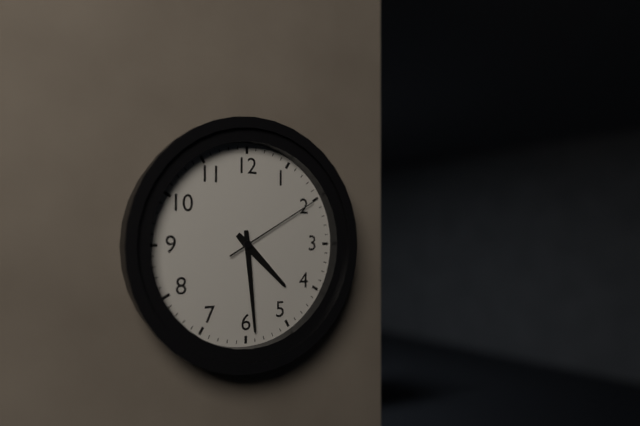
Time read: **4:29:10**
